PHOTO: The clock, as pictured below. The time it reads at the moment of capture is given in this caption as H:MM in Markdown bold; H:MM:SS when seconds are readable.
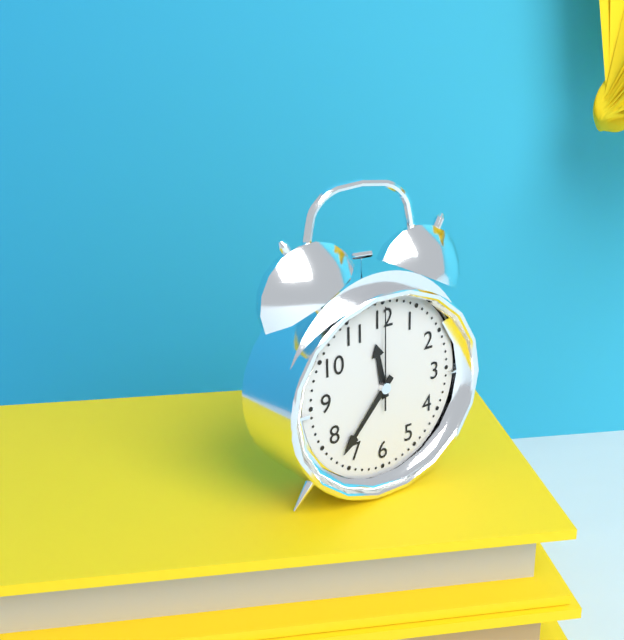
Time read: **11:37:00**
